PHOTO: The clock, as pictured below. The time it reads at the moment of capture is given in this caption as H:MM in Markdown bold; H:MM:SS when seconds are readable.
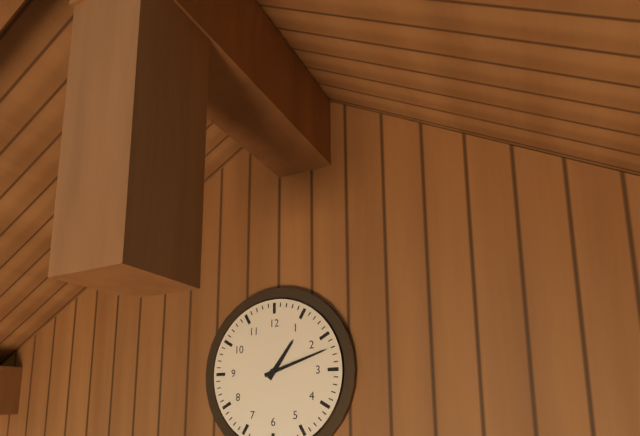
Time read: **1:12**
